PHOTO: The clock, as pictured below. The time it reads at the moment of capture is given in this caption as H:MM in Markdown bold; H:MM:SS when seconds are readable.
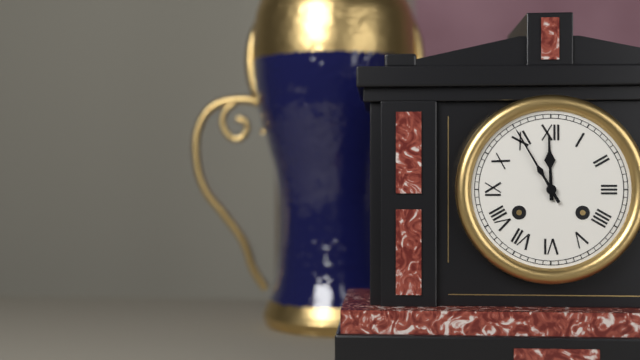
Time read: **11:55**
